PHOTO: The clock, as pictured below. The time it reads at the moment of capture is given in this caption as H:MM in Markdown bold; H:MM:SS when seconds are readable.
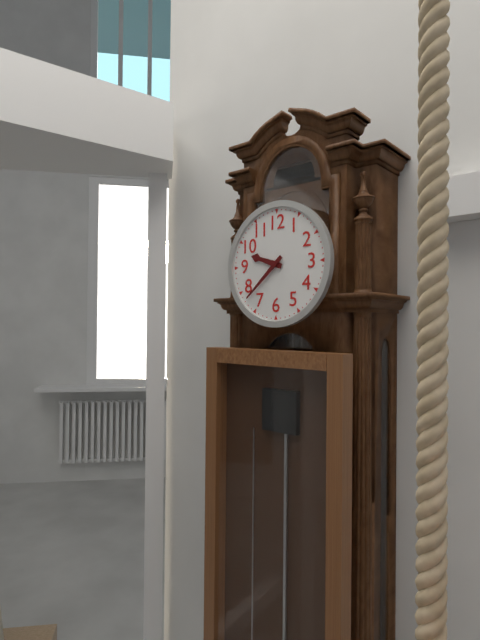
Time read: **9:38**
